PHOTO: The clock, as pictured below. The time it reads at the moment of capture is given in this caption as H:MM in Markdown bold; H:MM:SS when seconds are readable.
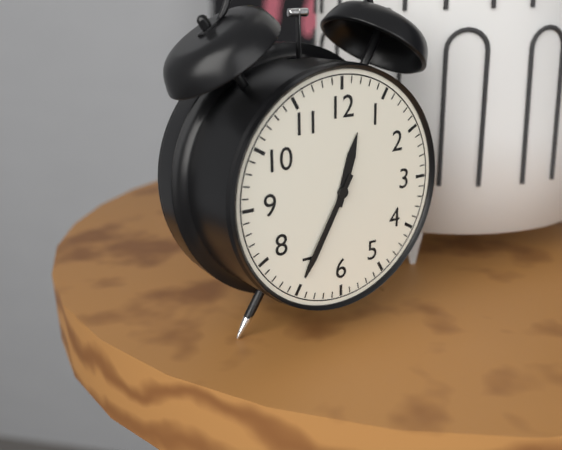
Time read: **12:35**
